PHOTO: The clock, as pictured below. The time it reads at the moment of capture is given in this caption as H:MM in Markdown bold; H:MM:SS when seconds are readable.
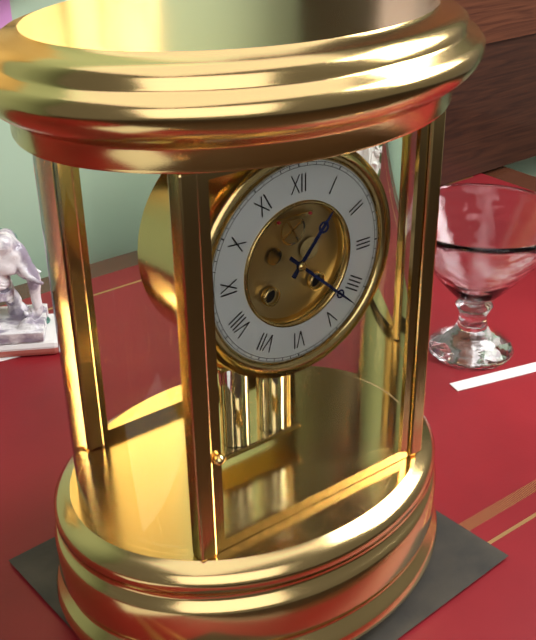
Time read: **1:22**
